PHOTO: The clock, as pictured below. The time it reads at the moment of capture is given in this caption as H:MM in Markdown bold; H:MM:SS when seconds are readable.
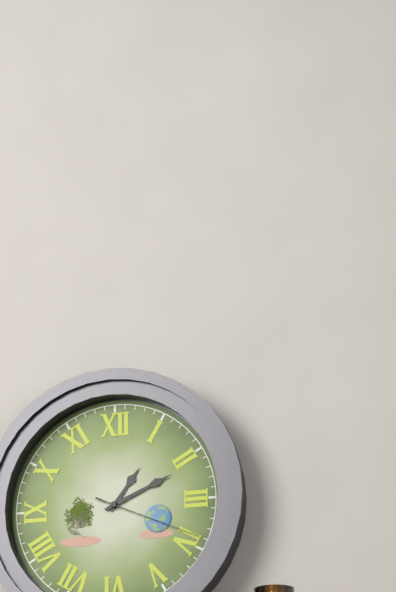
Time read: **1:11:19**
